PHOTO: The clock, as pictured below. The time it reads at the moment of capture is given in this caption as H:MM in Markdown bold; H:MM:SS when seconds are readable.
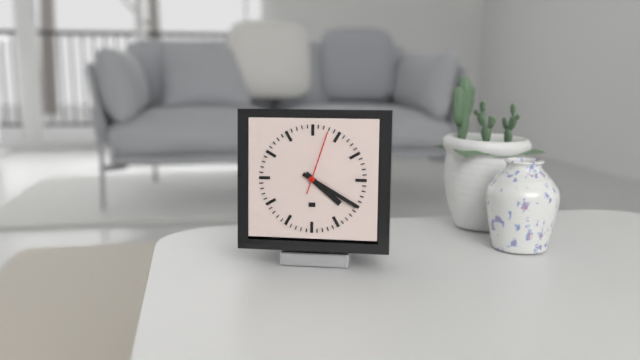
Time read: **4:20:03**
